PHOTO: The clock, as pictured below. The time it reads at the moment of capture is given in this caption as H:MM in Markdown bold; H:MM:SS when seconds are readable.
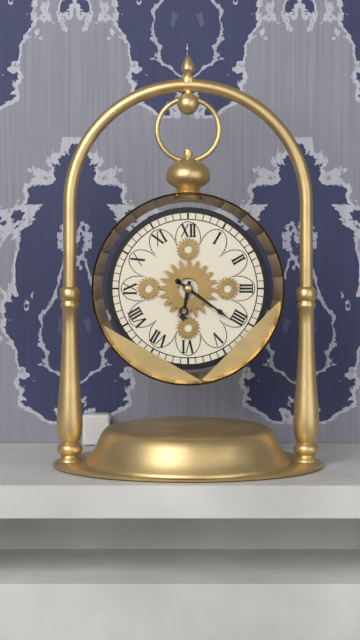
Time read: **6:21**
